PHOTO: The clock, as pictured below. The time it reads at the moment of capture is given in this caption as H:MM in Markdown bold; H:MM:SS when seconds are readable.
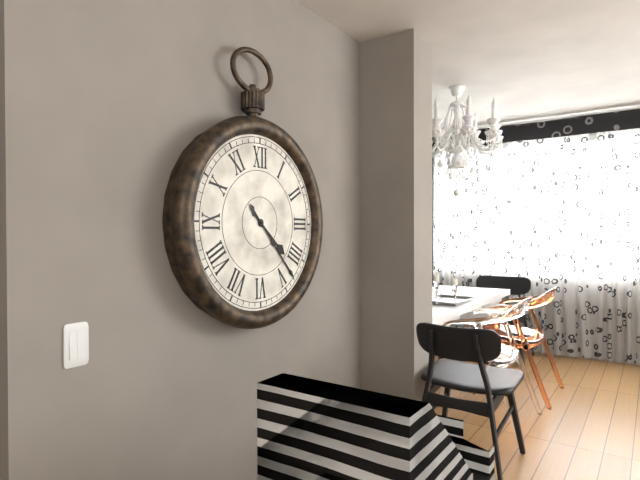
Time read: **4:23**
